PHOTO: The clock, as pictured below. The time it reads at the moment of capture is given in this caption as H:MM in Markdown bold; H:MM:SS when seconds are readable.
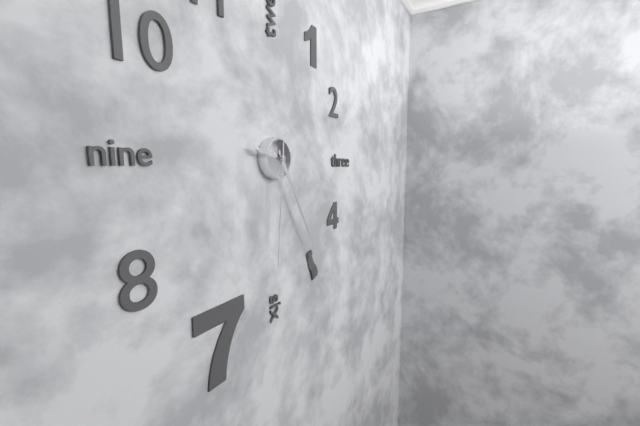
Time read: **9:25:31**
